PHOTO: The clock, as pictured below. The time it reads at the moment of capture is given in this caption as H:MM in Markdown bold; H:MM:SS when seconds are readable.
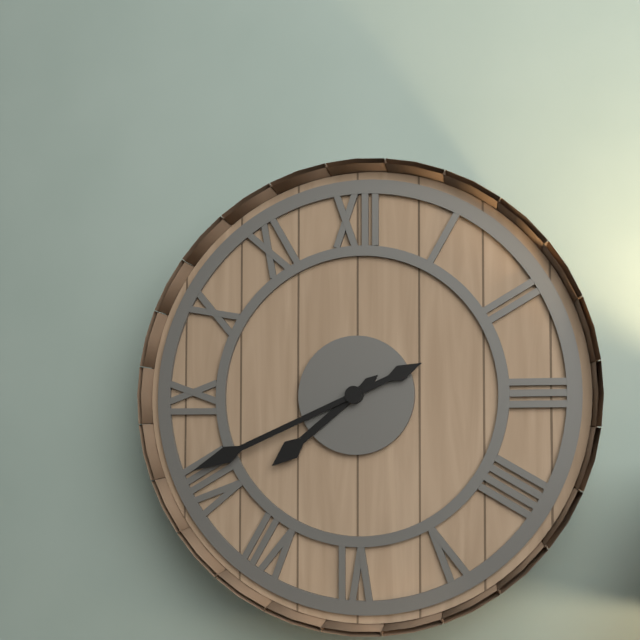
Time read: **7:41**
